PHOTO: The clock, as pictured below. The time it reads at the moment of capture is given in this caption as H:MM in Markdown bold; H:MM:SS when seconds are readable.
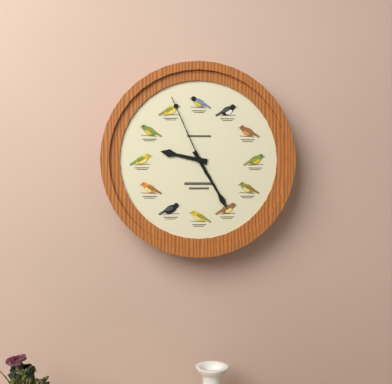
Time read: **9:25:56**
